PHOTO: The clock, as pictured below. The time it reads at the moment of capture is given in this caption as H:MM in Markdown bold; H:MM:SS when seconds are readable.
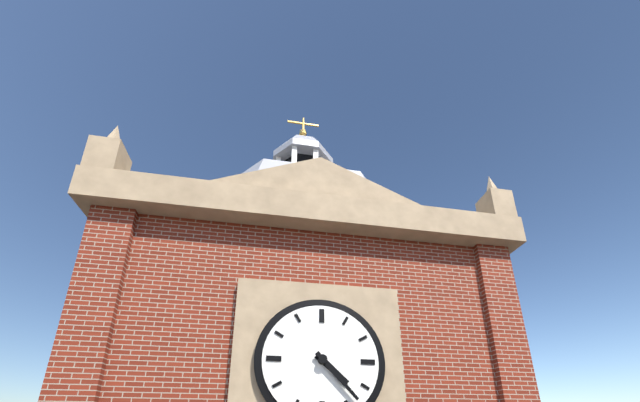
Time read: **4:23**
